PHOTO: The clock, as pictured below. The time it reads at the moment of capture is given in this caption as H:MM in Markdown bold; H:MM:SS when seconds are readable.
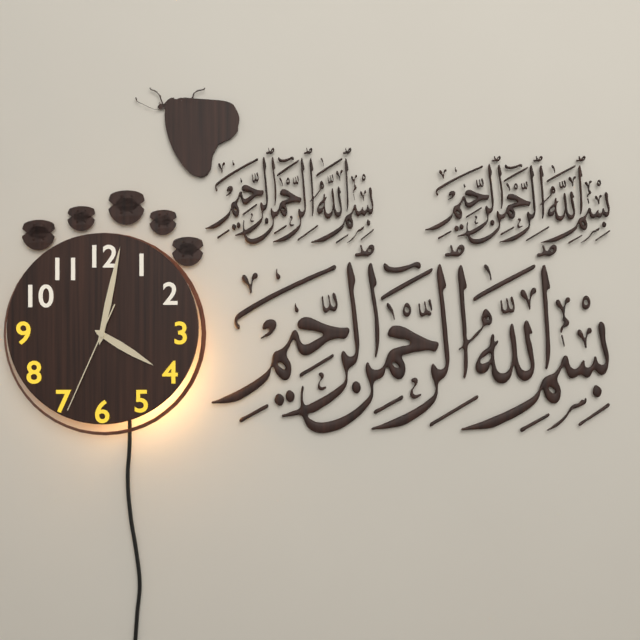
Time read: **4:02:34**
